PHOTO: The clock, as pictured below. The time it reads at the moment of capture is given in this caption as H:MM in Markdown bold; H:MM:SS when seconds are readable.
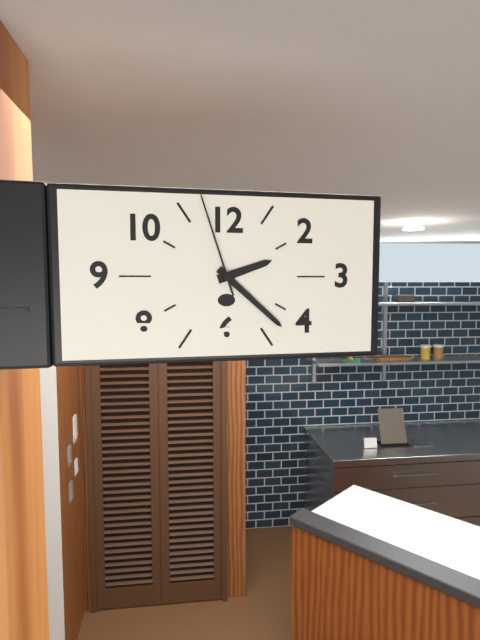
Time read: **2:22:57**
